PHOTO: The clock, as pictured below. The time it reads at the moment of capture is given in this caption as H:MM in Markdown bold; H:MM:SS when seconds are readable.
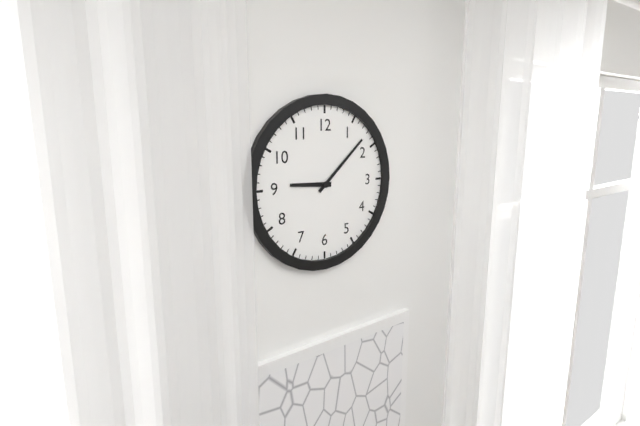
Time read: **9:08**
